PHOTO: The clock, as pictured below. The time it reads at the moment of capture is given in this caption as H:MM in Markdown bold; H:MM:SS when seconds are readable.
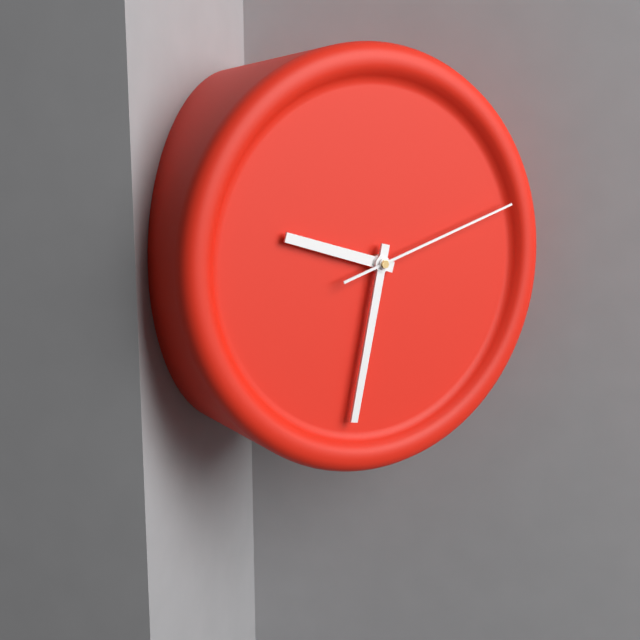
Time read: **9:32:12**
